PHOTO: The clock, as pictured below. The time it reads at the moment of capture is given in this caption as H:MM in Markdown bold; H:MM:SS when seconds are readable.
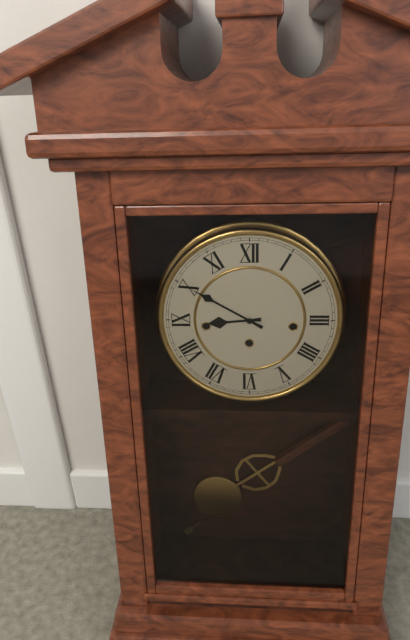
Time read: **8:50**
